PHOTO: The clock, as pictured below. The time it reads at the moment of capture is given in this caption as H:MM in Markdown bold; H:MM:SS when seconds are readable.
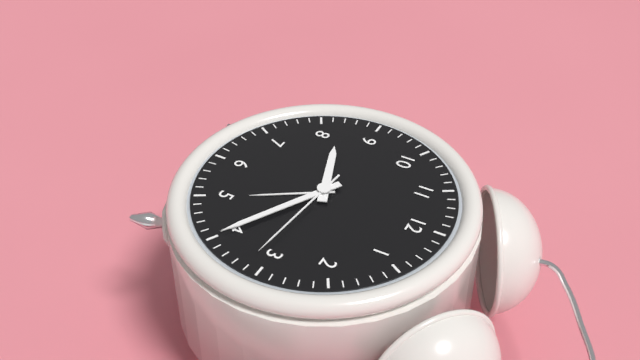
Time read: **8:20:16**
